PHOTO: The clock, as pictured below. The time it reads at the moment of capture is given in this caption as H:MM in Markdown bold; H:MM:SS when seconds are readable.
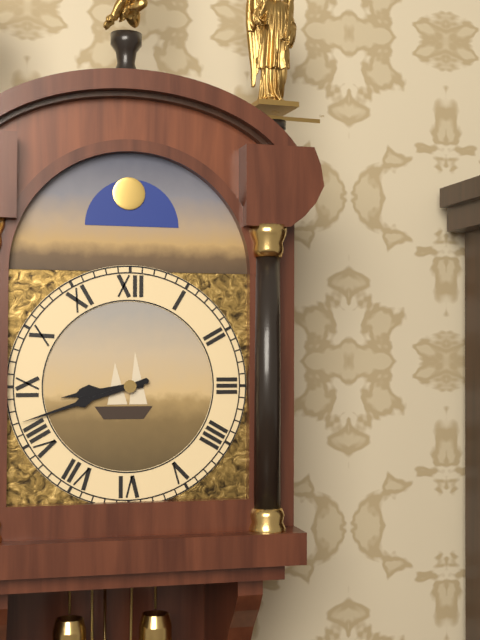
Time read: **8:42**
